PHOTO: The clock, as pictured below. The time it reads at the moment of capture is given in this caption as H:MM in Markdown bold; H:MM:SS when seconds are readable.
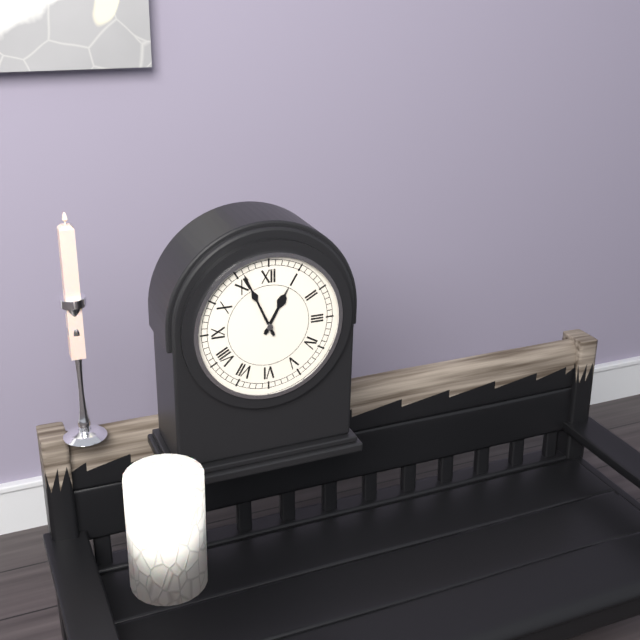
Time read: **12:56**
